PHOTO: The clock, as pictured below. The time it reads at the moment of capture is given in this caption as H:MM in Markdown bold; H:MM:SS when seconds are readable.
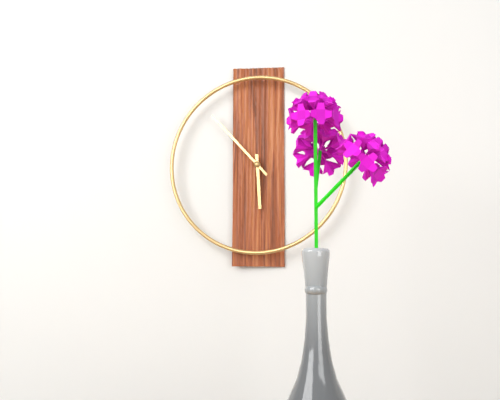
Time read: **5:53**
